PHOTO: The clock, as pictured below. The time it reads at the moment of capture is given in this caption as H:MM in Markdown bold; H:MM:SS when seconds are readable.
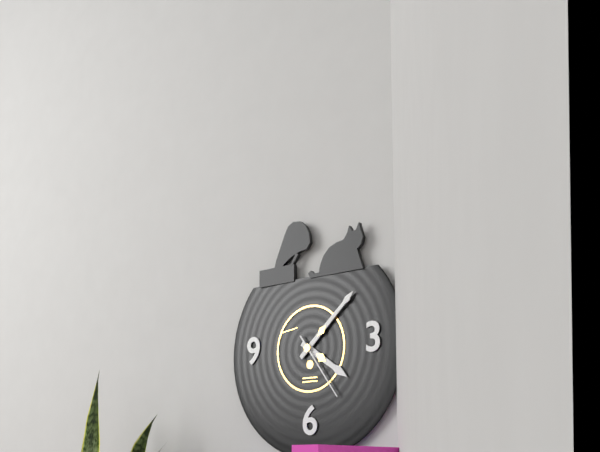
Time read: **4:08:24**
